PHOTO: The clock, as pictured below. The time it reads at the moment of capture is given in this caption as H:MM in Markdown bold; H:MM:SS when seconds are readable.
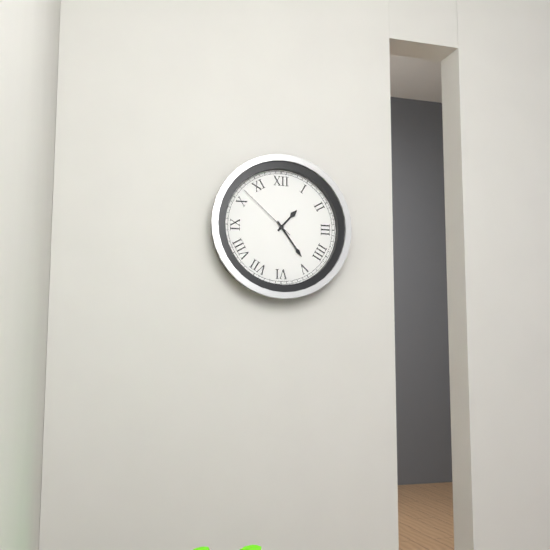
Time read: **1:24:52**
